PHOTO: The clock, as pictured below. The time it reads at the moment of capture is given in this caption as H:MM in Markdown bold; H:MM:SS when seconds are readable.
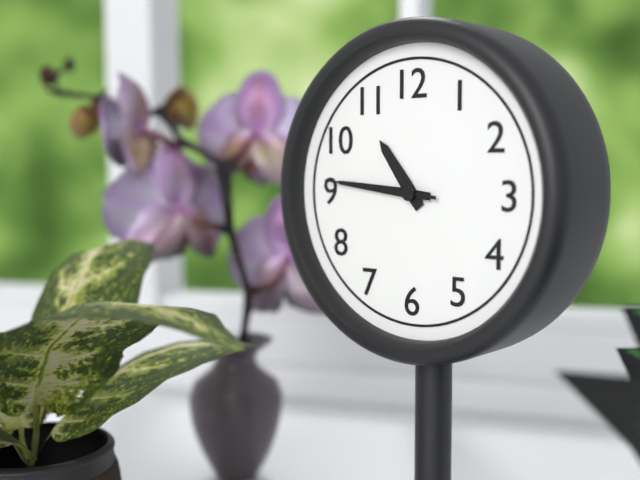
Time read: **10:46:46**
